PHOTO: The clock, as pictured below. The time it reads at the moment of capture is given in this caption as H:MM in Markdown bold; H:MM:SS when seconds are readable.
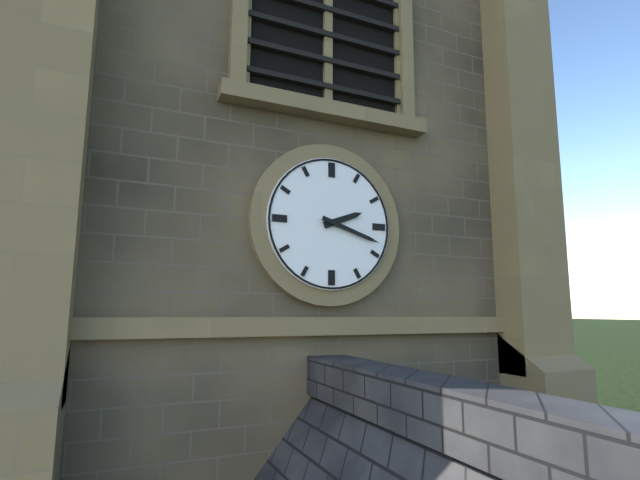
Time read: **2:18**
